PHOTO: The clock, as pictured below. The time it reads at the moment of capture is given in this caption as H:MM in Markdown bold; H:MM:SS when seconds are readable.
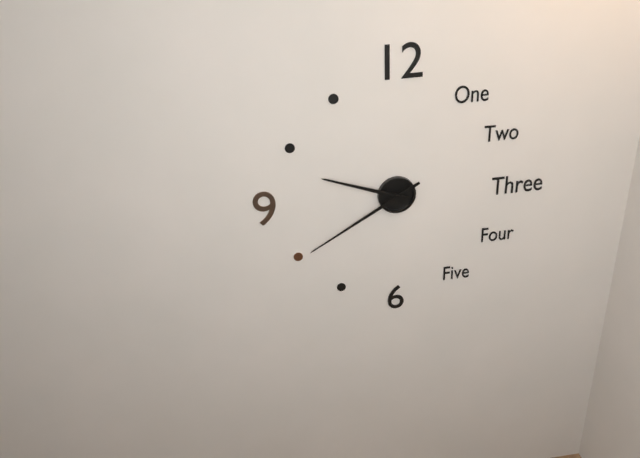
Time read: **9:40**
